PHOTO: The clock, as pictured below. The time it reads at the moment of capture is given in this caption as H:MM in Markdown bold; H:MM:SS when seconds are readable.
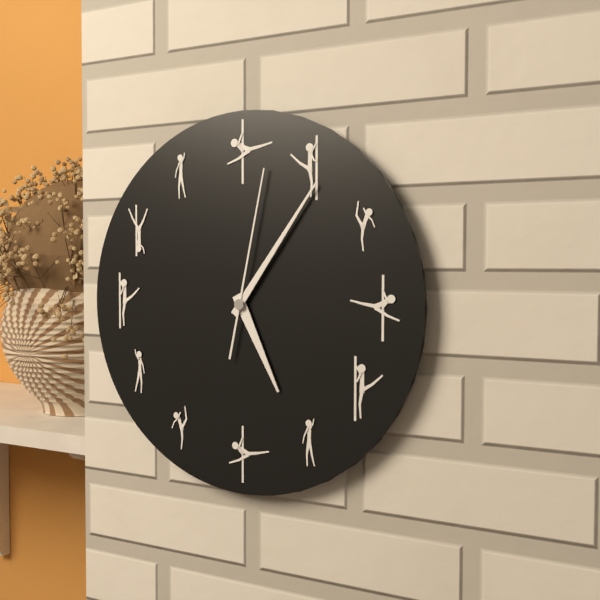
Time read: **5:06:02**
